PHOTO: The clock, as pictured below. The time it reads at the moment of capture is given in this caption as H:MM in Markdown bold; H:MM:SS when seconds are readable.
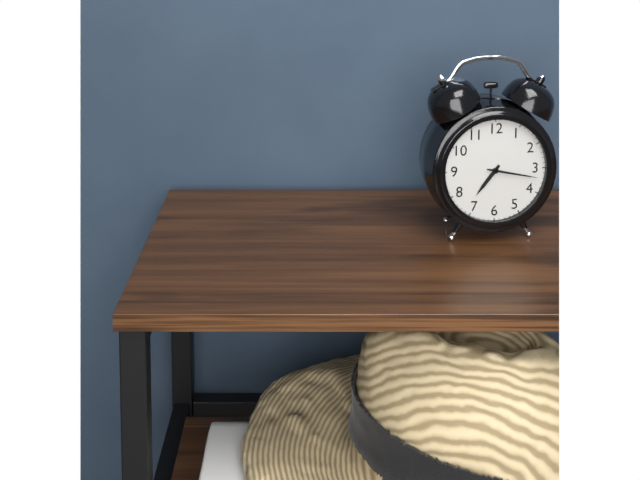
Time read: **7:17**
